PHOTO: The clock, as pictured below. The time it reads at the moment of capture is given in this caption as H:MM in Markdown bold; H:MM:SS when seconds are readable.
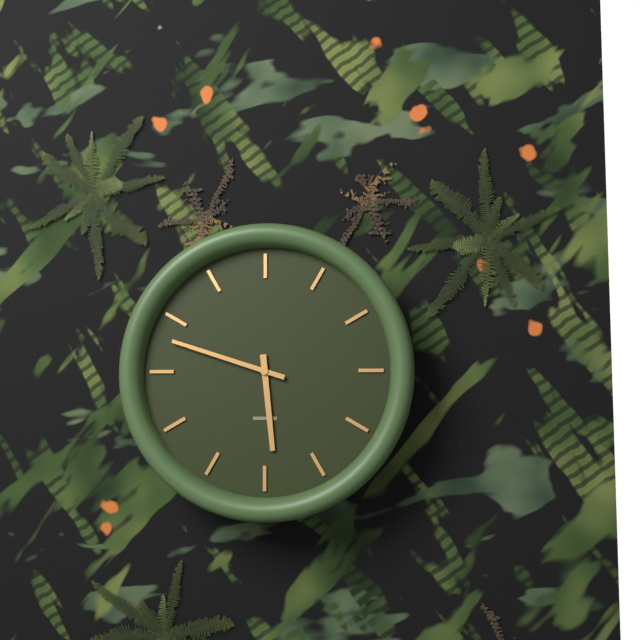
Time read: **5:48**
